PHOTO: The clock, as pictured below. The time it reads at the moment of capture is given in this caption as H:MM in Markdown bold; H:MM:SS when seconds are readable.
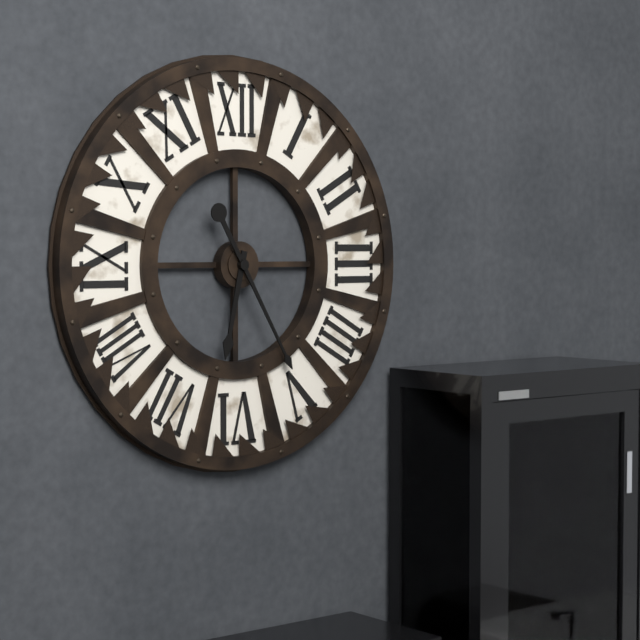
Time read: **6:25**
